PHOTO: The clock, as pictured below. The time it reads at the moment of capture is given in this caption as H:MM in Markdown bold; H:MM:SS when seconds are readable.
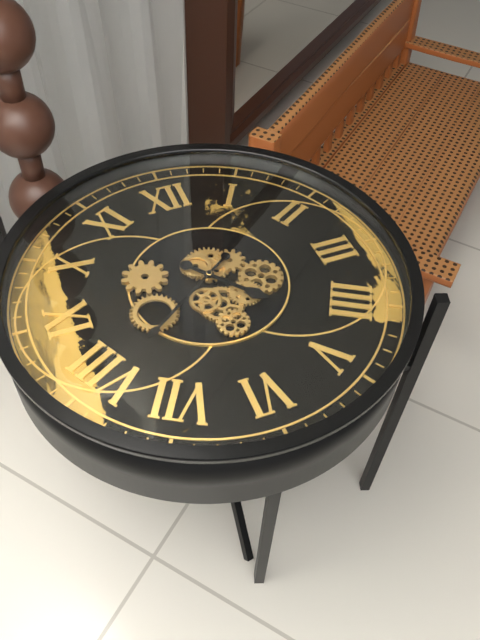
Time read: **4:39**
